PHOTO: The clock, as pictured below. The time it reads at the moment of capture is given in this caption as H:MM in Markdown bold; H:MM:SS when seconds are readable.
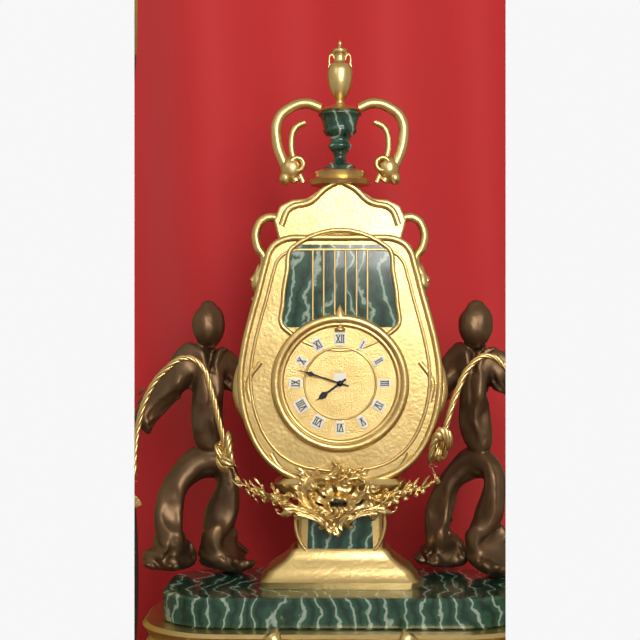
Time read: **7:48**
